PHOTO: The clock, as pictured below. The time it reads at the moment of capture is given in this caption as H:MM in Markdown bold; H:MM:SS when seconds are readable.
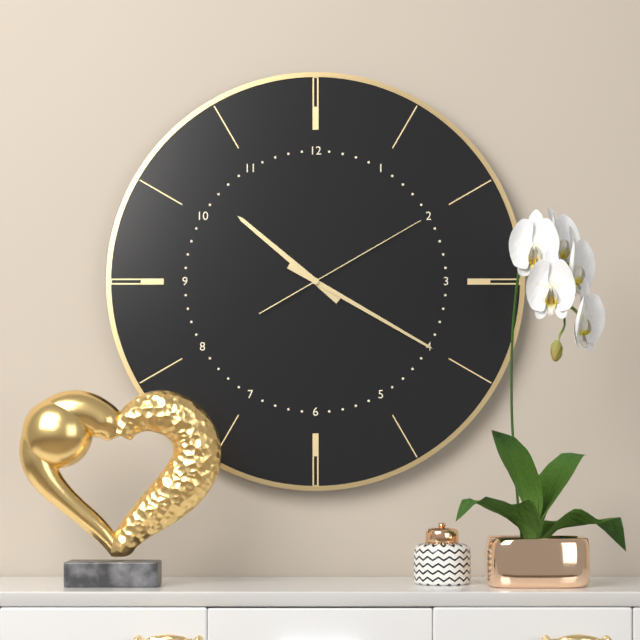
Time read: **10:20:10**
